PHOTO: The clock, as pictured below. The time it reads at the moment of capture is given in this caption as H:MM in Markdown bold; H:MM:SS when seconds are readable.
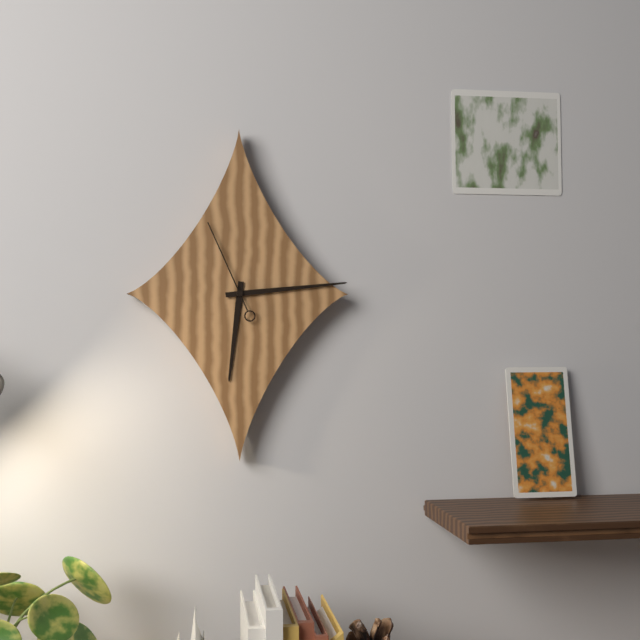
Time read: **6:14:56**
